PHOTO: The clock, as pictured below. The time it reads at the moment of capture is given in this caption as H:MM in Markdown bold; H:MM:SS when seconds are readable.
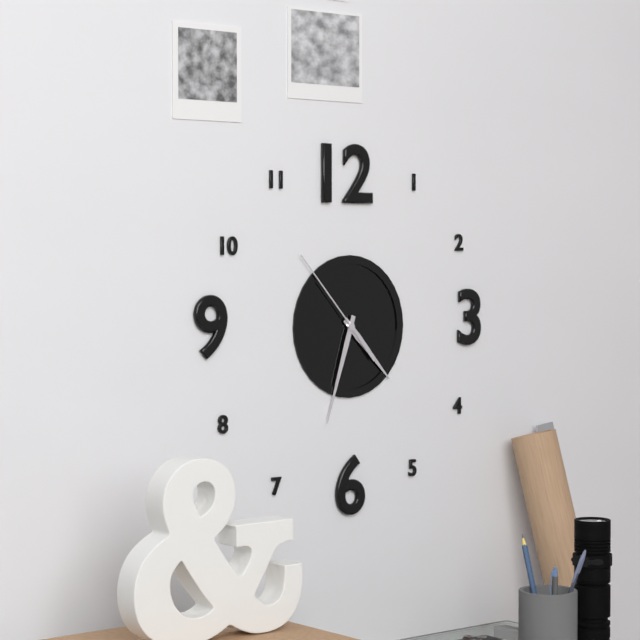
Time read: **4:33:53**
